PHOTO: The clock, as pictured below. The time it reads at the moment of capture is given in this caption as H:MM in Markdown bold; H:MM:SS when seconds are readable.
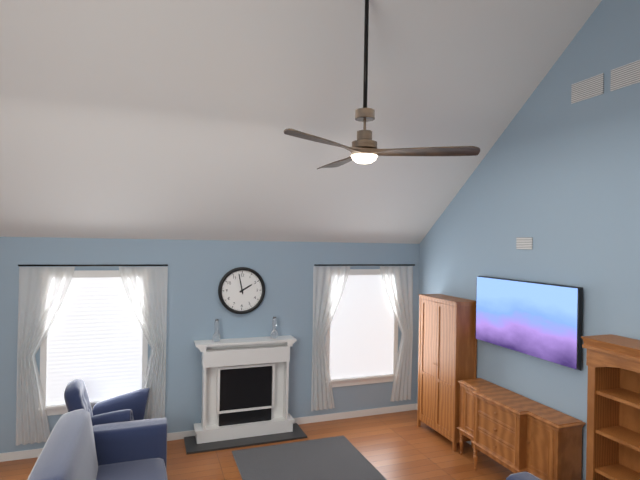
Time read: **1:58**
